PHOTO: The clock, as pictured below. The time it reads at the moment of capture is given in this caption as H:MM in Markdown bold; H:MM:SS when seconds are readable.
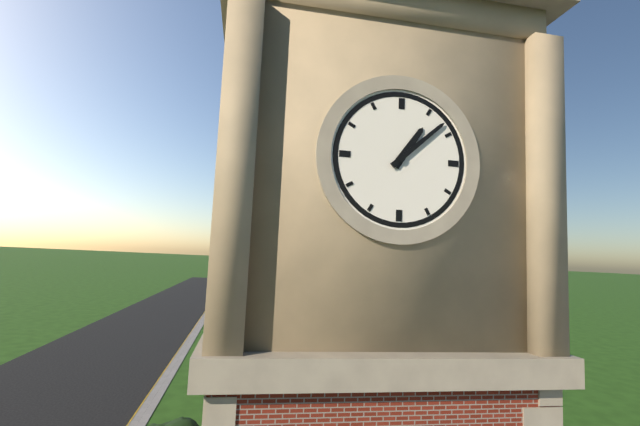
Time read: **1:08**
